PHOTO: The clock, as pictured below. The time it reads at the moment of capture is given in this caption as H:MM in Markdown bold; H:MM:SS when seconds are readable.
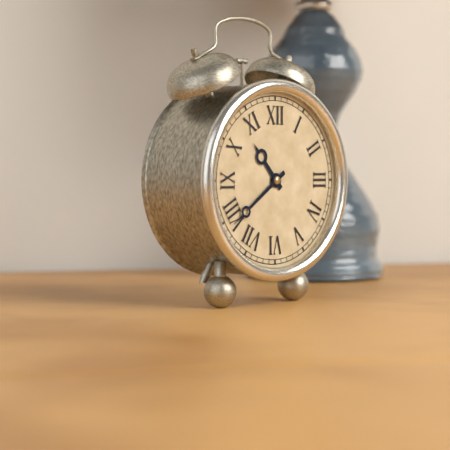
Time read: **10:39**
